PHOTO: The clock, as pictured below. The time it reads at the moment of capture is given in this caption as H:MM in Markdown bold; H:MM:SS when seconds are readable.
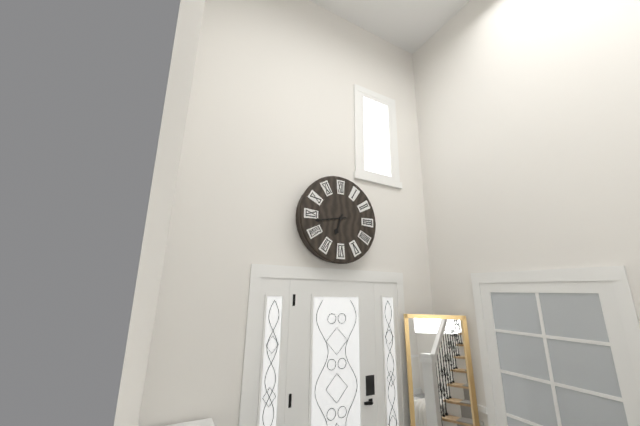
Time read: **6:43**
